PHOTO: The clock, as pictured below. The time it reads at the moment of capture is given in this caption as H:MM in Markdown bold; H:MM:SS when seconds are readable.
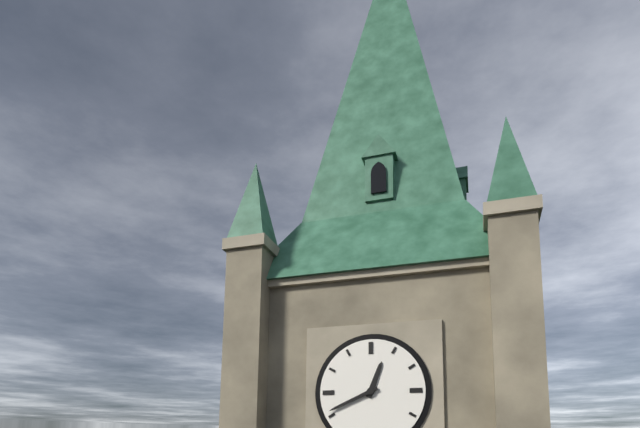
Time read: **12:41**
